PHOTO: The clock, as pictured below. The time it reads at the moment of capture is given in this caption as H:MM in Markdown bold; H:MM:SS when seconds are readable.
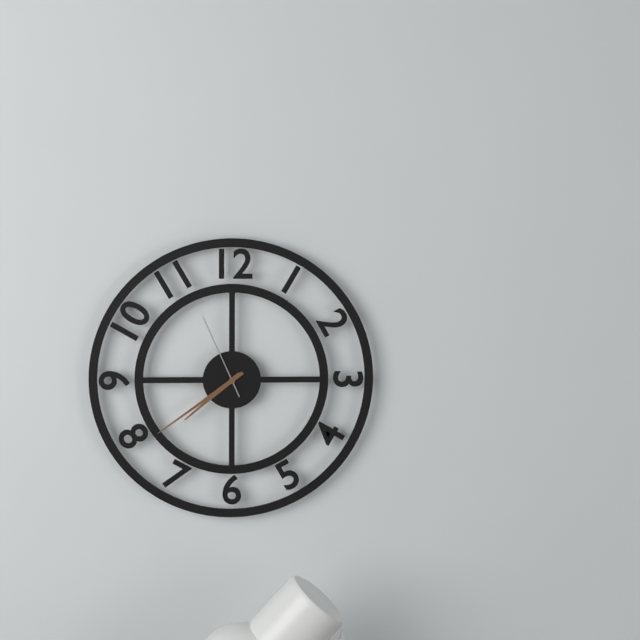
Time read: **7:39:56**
